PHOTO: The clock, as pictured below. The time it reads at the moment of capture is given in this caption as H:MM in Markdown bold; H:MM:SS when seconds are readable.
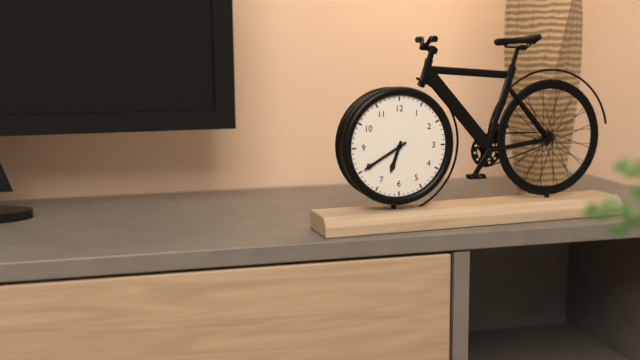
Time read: **6:40**
